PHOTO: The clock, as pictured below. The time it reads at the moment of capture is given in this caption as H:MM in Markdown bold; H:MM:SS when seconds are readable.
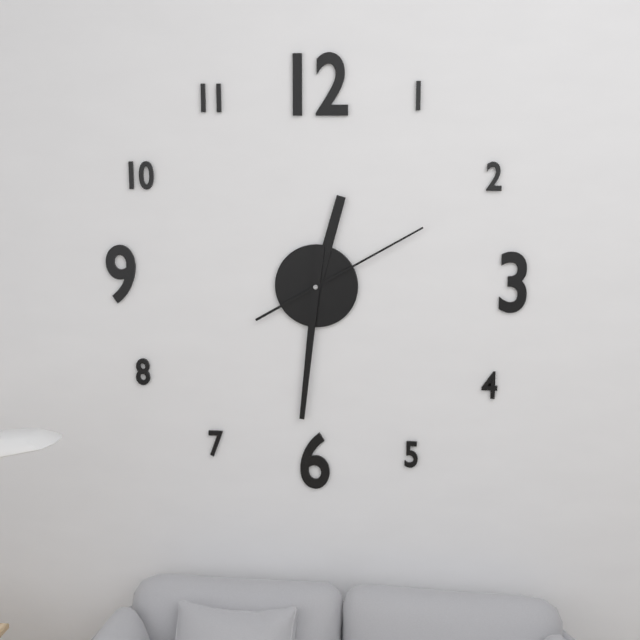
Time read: **12:31:10**
